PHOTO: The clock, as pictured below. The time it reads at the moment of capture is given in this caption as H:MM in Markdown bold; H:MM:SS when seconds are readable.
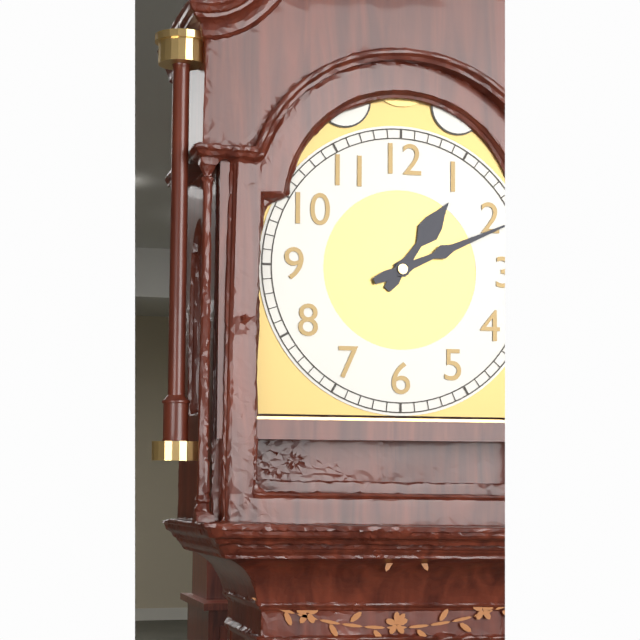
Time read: **1:11**
